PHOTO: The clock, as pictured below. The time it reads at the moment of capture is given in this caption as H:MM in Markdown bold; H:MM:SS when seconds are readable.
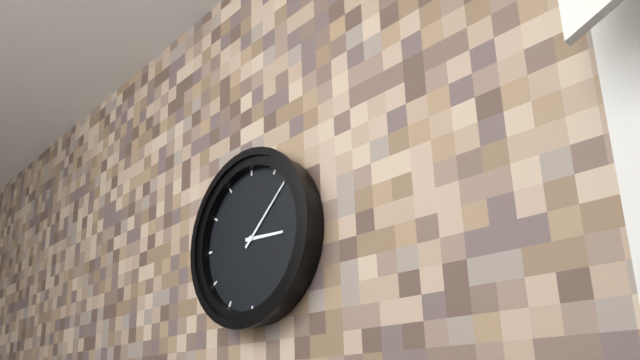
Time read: **3:08**
